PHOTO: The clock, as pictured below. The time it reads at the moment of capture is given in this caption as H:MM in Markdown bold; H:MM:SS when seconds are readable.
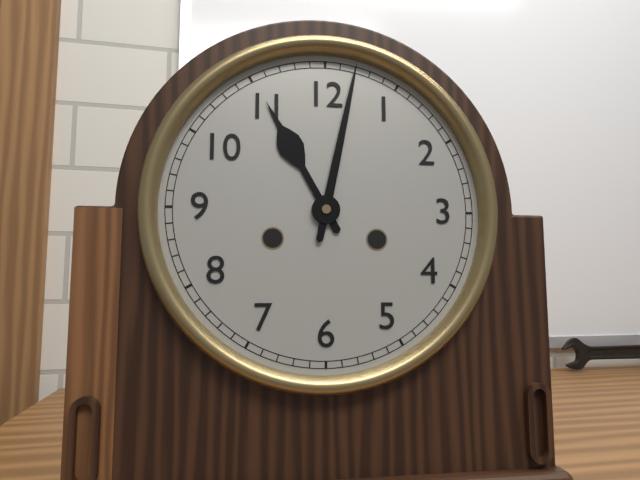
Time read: **11:02**
